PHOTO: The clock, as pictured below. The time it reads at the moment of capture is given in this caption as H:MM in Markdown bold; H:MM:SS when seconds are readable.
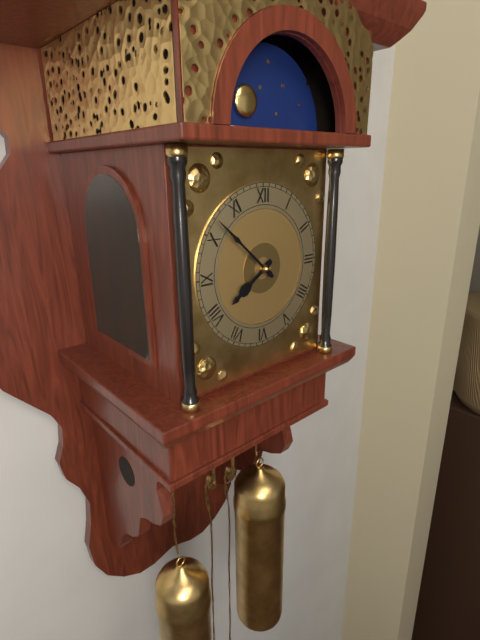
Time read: **7:52**
